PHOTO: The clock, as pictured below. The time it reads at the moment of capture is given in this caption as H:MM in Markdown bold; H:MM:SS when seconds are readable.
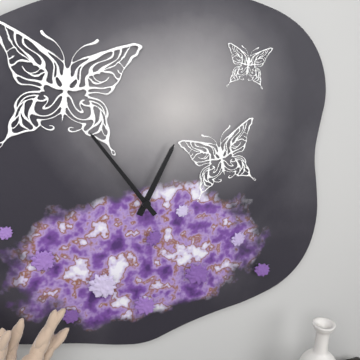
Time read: **12:54**
